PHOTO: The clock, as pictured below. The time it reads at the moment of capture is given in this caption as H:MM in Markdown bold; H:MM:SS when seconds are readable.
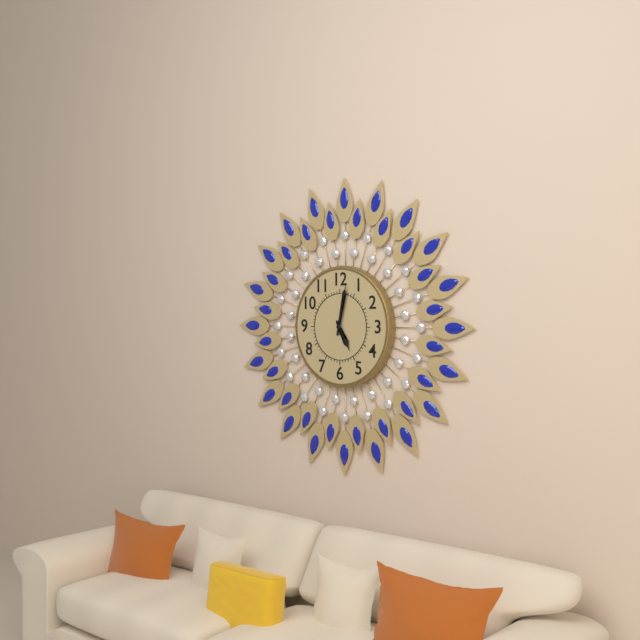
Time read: **5:02**
